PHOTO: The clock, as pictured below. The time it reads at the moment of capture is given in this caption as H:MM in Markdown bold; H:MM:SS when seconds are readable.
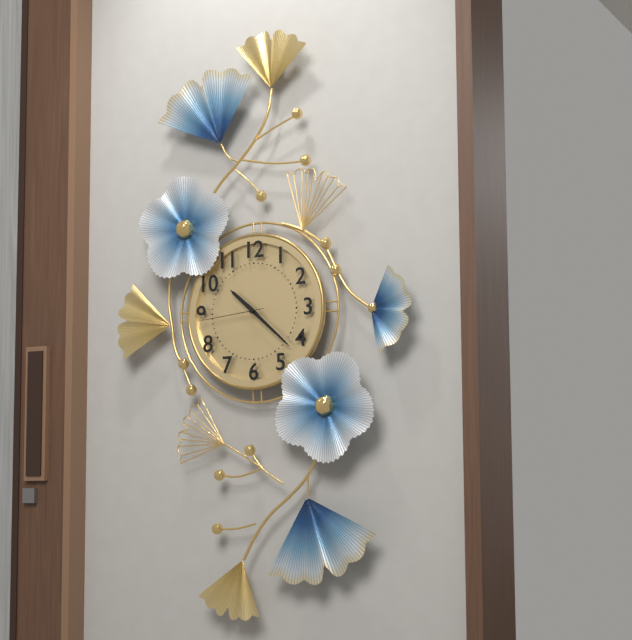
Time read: **10:22:44**
